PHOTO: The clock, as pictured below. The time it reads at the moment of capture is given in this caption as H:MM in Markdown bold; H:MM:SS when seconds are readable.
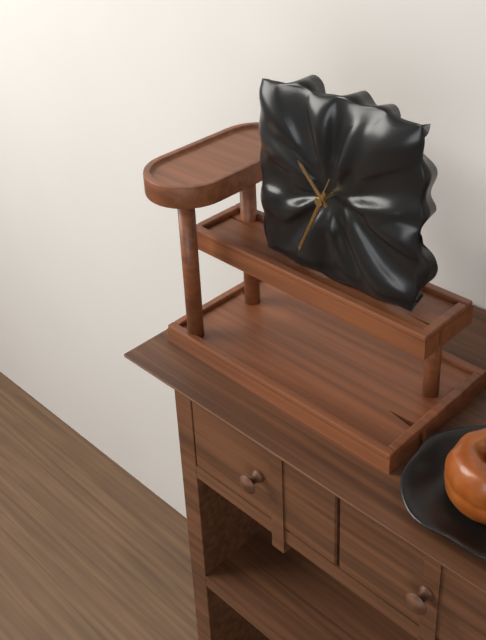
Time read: **10:34:34**
